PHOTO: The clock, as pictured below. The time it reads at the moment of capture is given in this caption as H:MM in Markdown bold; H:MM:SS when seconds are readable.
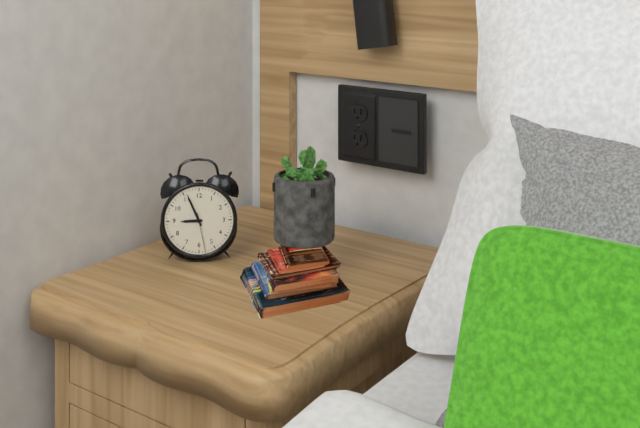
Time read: **8:56**
